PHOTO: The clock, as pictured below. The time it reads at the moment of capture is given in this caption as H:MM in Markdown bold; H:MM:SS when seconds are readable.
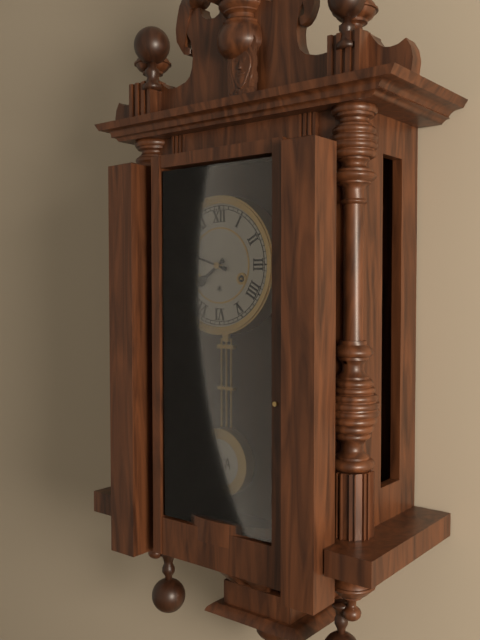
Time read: **7:48**
